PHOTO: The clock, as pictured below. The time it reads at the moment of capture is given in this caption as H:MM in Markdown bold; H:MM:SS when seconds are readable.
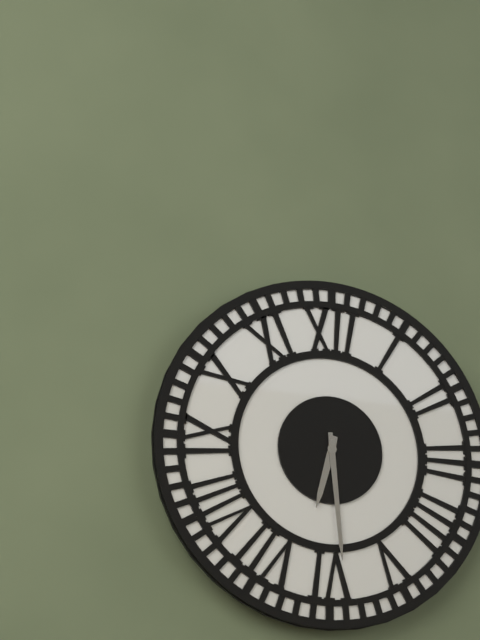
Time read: **6:29**
